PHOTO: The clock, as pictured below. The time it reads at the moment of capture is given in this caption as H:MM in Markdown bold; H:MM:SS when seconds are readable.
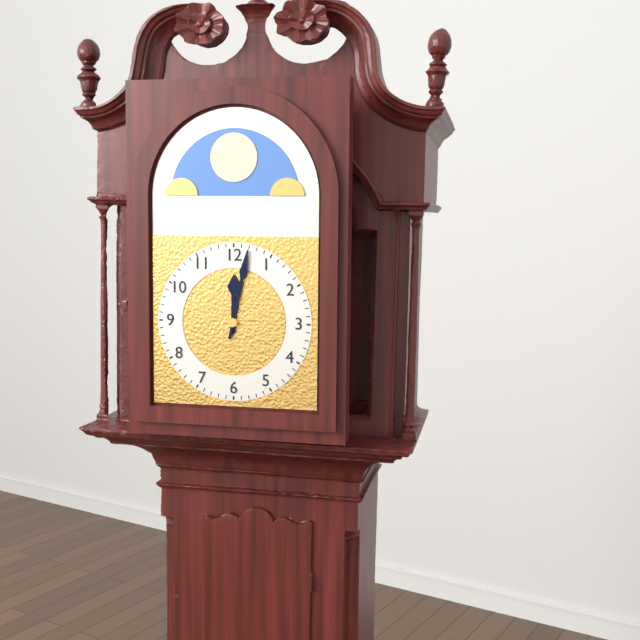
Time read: **12:02**
